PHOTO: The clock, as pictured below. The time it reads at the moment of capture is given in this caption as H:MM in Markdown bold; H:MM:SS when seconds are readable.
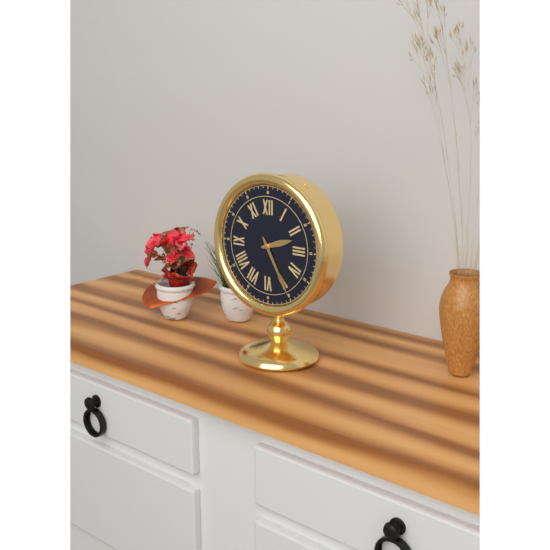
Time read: **2:25**
